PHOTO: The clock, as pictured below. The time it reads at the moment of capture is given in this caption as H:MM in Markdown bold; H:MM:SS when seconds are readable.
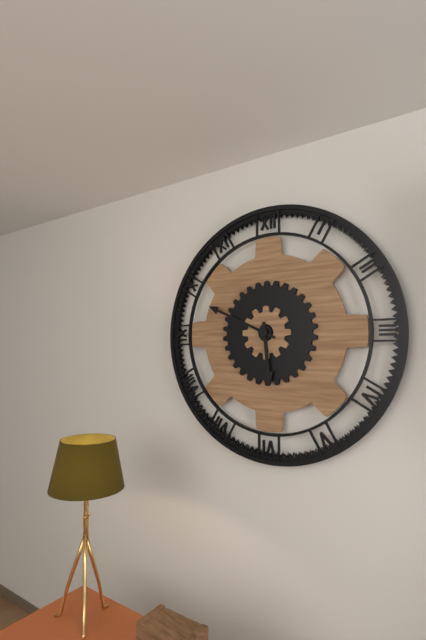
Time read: **5:49**
